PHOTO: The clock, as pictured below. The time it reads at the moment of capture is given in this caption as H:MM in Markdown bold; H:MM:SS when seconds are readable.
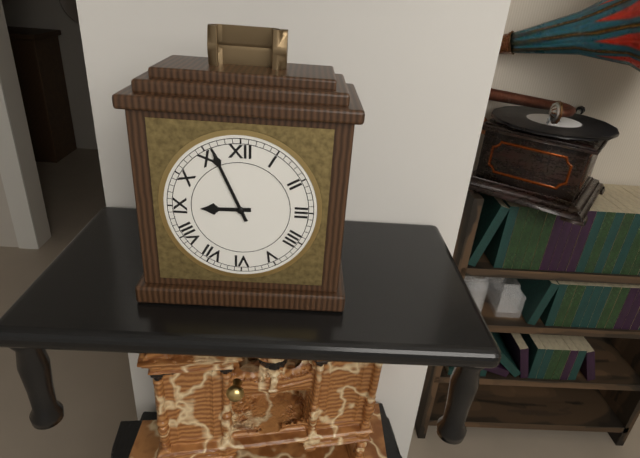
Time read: **8:56**
